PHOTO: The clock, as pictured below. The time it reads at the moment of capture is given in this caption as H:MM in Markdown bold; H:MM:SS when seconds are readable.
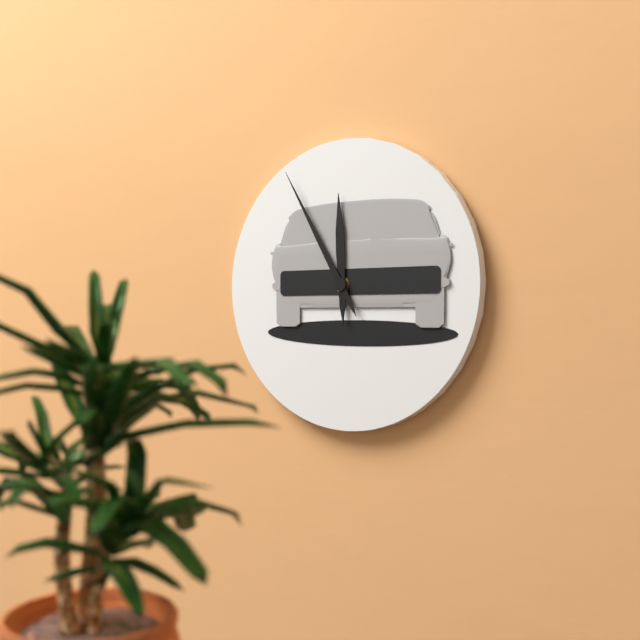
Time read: **11:55**
